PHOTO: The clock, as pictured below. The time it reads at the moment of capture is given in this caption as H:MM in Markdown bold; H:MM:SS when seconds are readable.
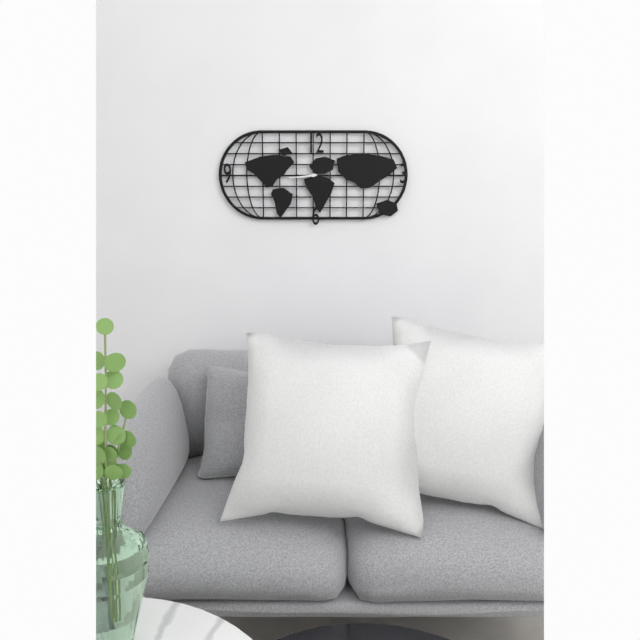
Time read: **8:44**
